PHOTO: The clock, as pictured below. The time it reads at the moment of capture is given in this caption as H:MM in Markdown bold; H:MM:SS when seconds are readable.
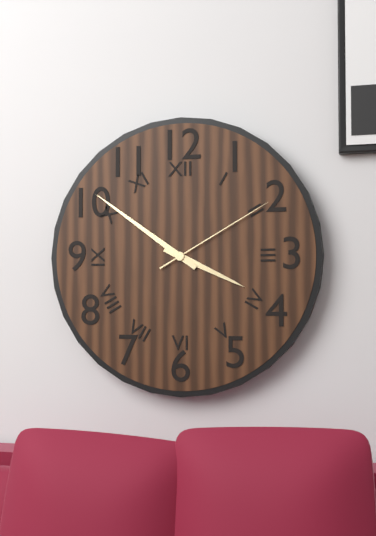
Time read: **3:51:10**
